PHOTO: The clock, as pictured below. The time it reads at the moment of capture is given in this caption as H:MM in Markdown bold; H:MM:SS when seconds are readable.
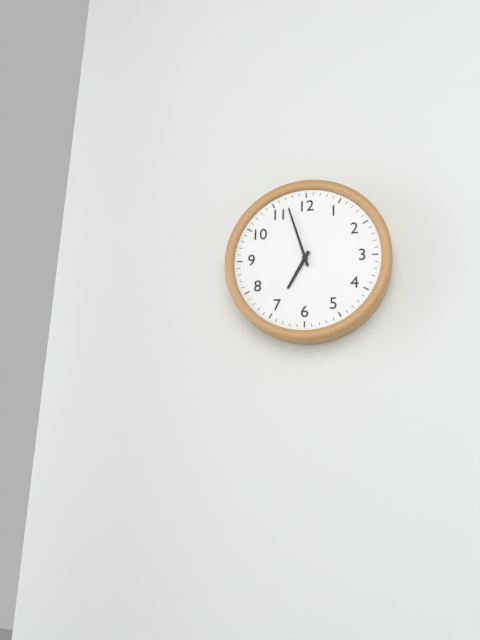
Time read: **6:57**
